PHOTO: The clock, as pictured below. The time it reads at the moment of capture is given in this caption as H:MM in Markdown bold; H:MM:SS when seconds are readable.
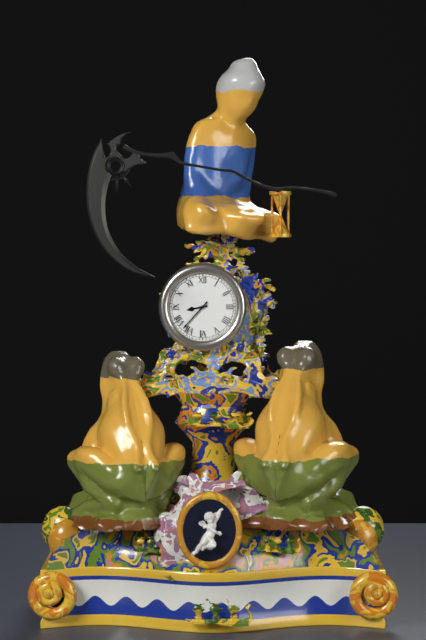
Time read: **8:37**
